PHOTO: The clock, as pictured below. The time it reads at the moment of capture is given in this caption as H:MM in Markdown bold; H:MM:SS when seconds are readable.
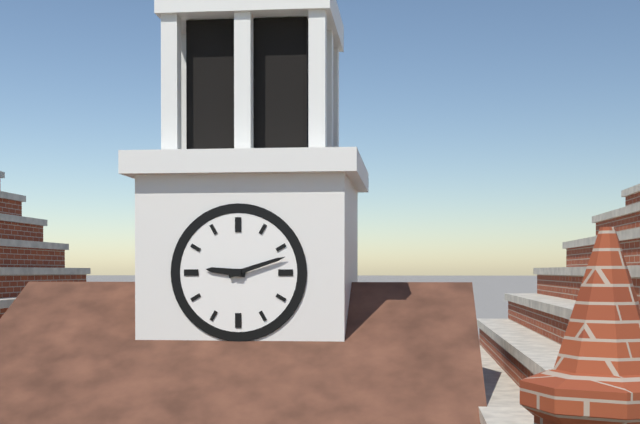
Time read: **9:12**
